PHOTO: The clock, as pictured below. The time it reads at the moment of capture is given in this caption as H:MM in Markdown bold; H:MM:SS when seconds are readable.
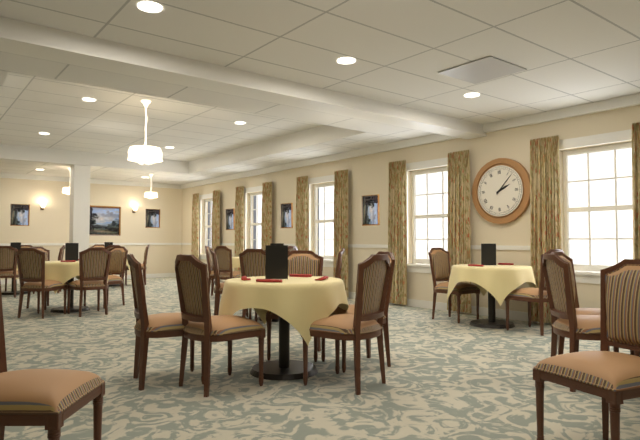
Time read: **2:07**
